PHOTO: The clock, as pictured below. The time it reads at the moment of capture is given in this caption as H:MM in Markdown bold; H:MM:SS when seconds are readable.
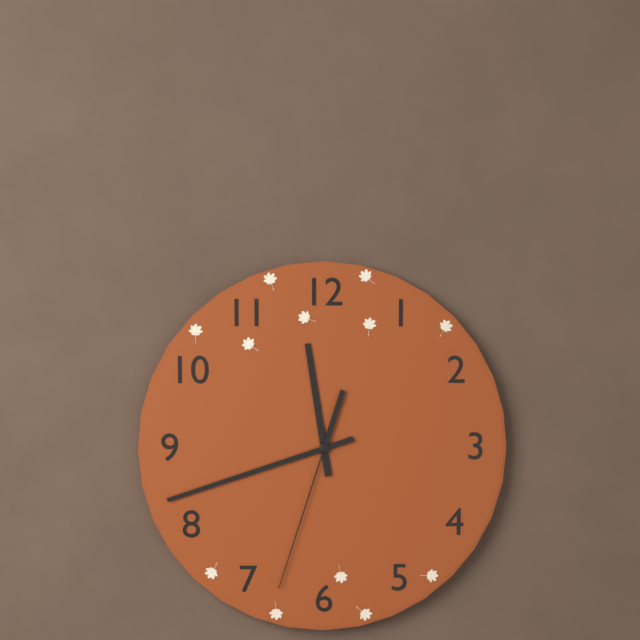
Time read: **11:42:33**
